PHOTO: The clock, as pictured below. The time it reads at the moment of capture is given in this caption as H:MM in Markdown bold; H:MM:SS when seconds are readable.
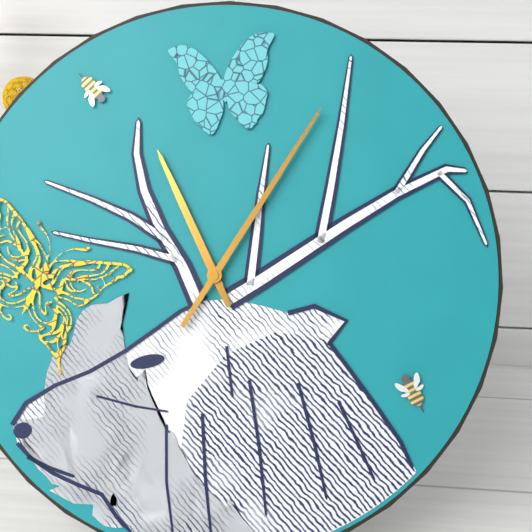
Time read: **11:05**
